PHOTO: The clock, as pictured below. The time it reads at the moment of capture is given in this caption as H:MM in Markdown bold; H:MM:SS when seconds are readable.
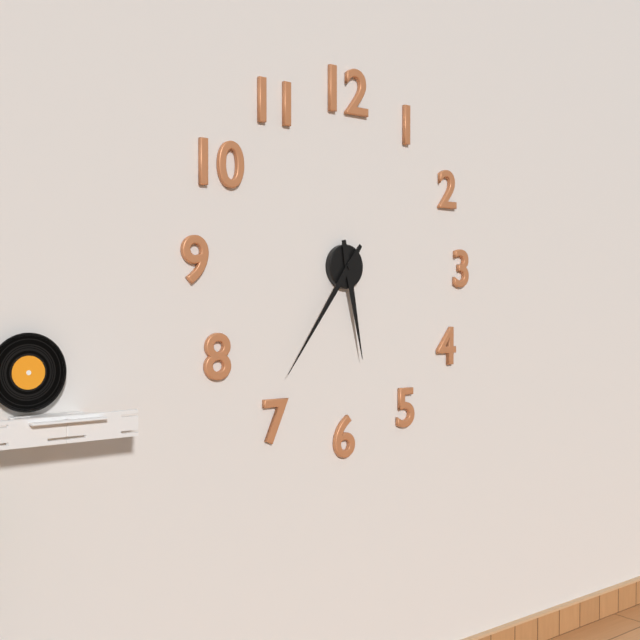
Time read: **5:36**
